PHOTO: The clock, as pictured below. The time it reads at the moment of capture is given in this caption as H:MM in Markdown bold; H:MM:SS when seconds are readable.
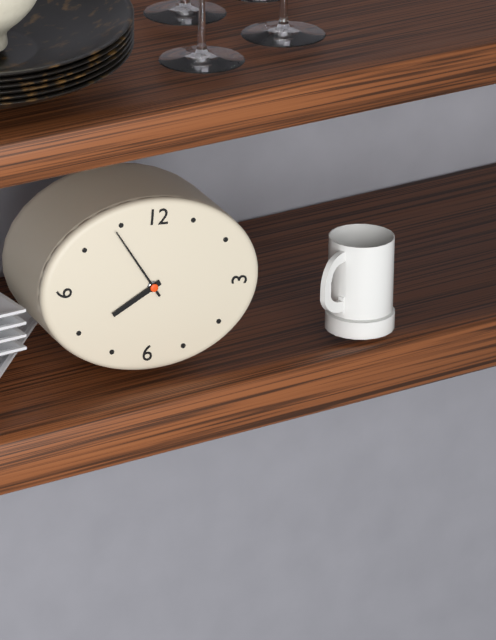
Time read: **7:54**
